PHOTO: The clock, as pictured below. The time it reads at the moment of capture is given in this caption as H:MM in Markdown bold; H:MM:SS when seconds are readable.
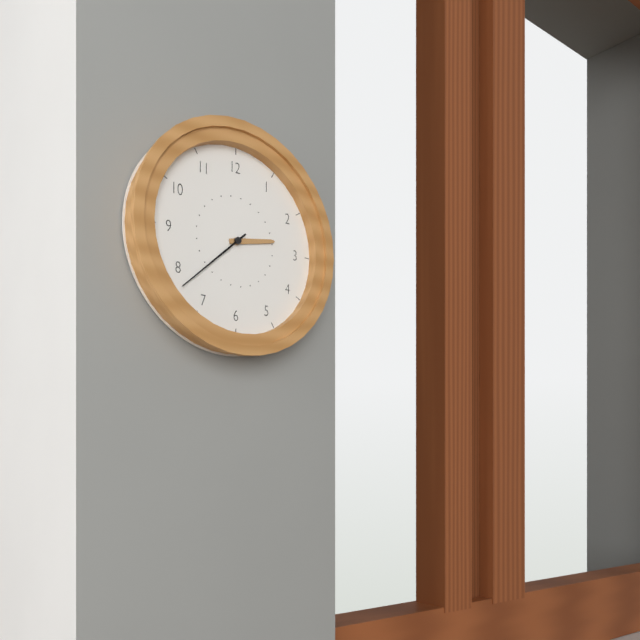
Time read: **2:38**
